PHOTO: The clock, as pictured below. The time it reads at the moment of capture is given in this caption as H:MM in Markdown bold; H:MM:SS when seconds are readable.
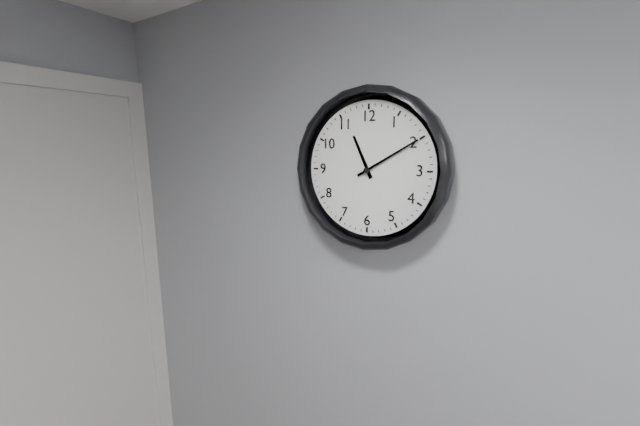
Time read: **11:10**
